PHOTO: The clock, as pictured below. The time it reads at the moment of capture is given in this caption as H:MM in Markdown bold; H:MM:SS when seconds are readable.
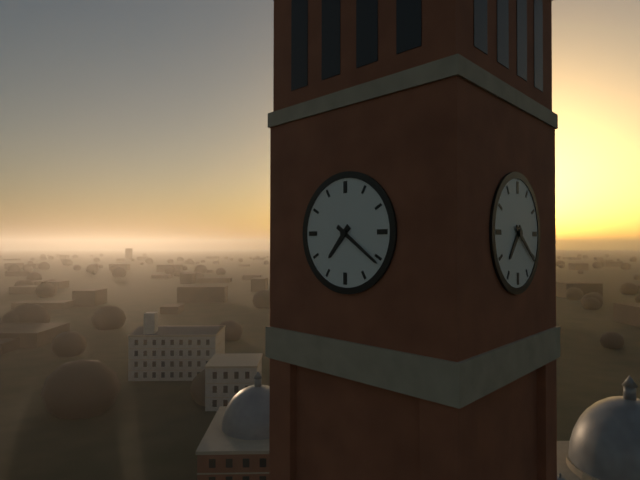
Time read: **7:21**
